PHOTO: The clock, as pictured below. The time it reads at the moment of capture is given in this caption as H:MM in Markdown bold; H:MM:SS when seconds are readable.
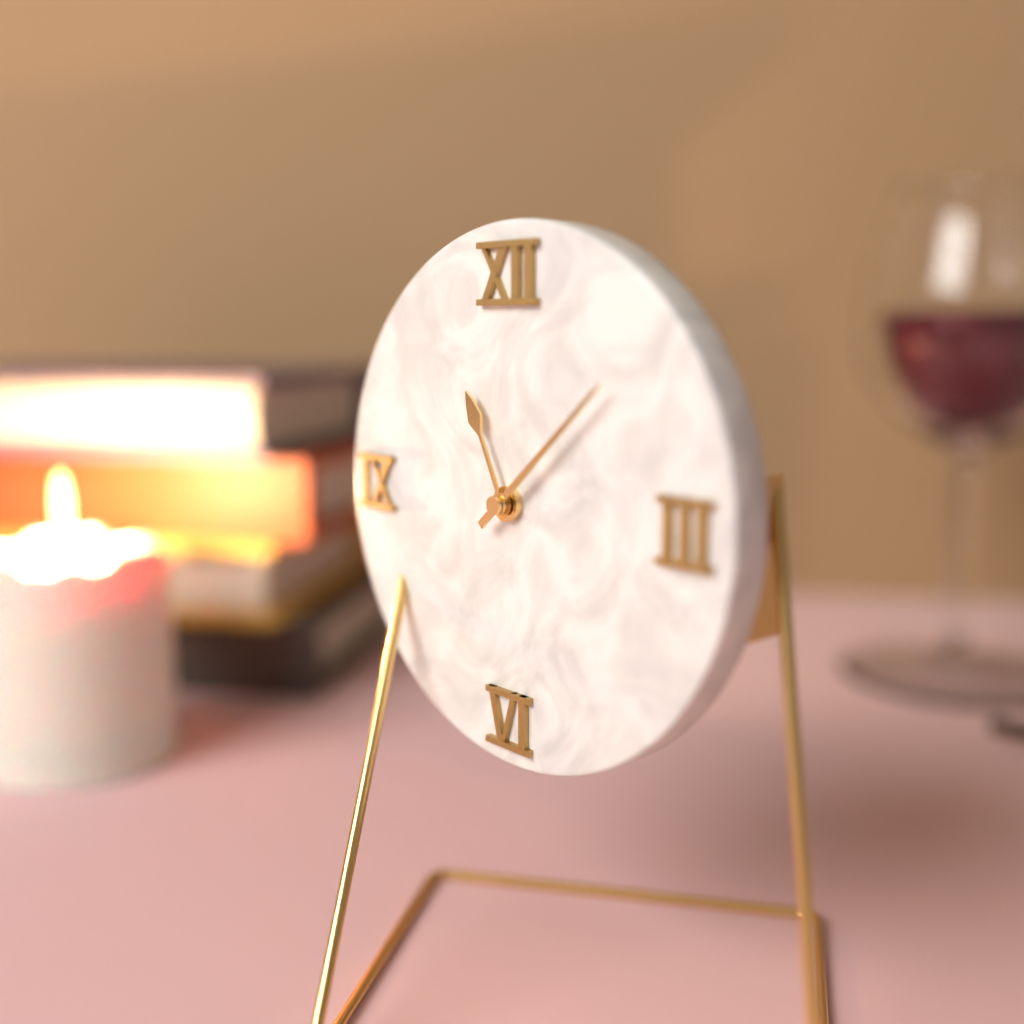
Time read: **11:08**
